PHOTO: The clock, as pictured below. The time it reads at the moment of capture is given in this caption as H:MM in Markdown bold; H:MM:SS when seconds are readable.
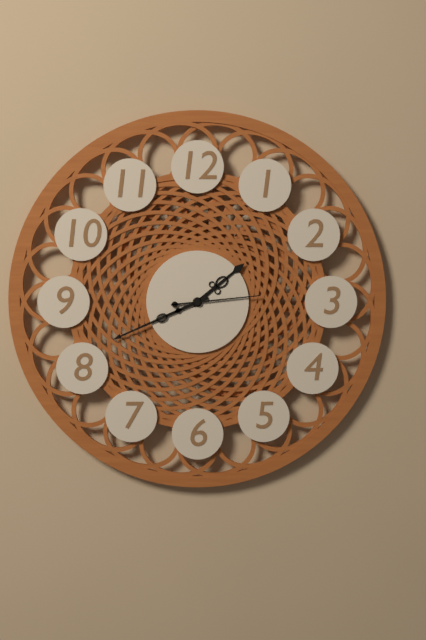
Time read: **1:41:14**
